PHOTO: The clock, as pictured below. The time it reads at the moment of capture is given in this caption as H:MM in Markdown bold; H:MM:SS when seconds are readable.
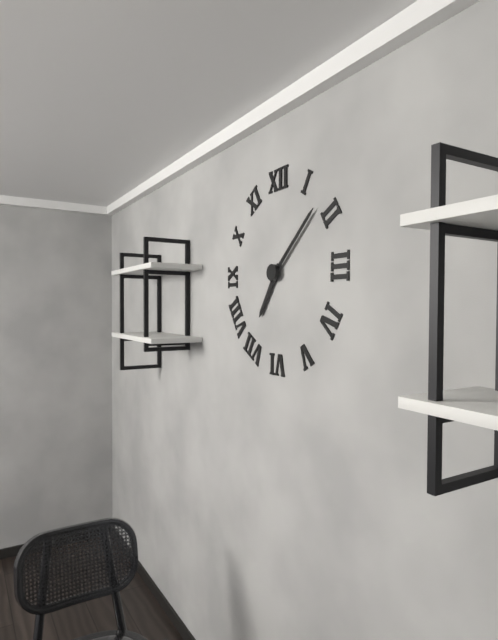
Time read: **7:08**
